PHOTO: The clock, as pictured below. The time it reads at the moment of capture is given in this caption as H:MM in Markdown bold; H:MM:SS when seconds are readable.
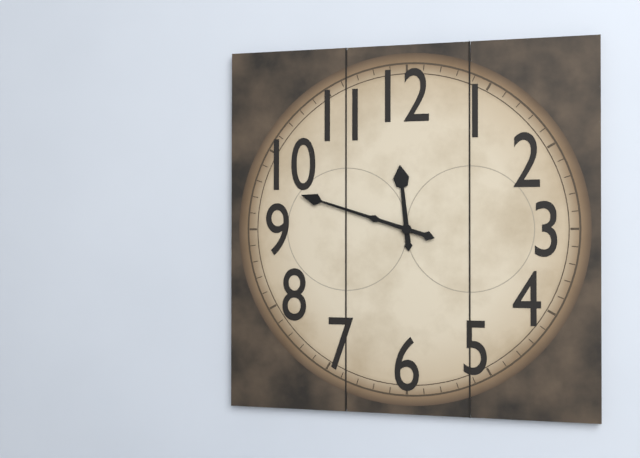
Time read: **11:48**
